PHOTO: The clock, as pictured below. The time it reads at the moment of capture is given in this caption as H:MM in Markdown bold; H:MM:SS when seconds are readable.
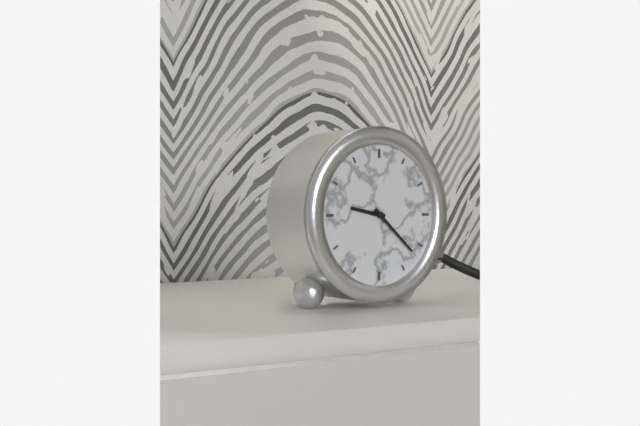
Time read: **9:22**
